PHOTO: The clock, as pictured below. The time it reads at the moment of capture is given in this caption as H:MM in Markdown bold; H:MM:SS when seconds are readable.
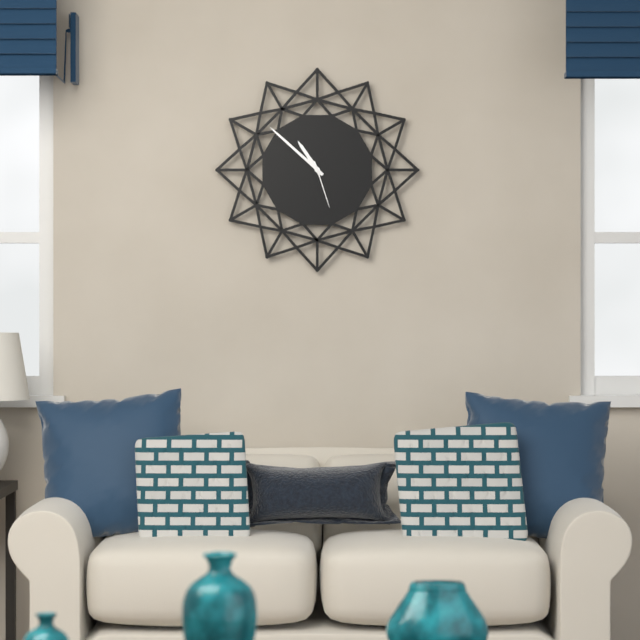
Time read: **10:52:27**
